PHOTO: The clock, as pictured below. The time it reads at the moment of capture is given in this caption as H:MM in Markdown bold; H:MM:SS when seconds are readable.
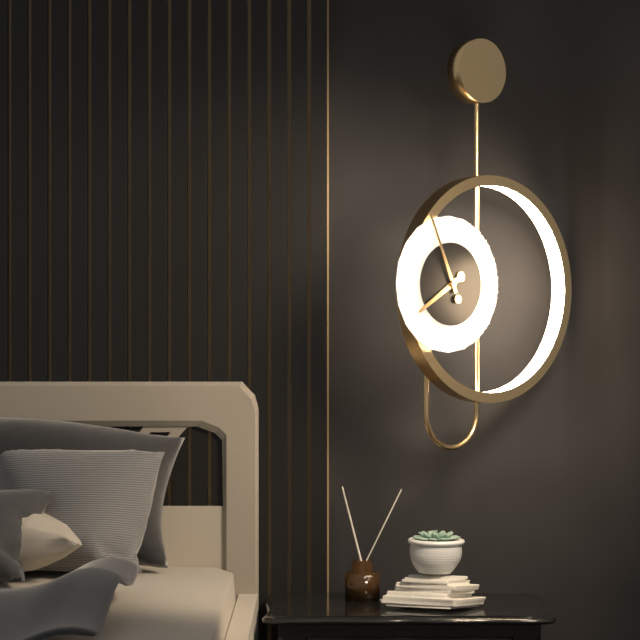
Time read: **7:56**
